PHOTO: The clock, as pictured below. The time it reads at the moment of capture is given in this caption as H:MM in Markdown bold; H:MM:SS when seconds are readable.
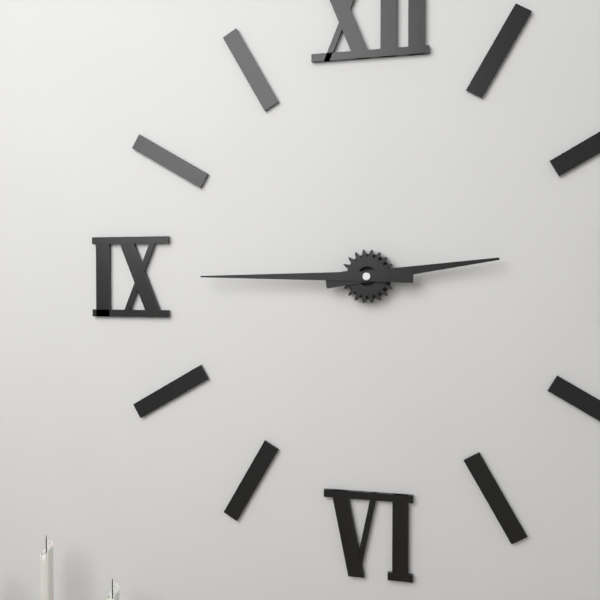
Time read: **2:45**
